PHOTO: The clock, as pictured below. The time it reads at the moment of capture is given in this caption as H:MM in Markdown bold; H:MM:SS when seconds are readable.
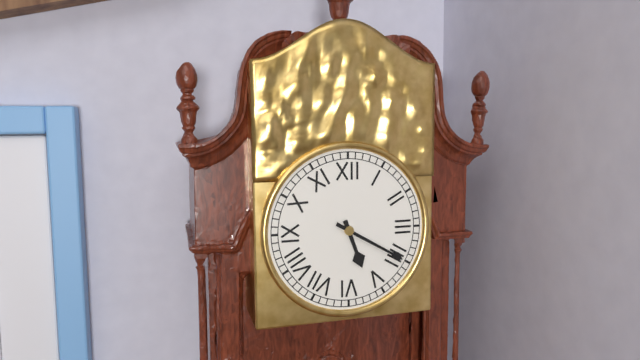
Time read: **5:20**
